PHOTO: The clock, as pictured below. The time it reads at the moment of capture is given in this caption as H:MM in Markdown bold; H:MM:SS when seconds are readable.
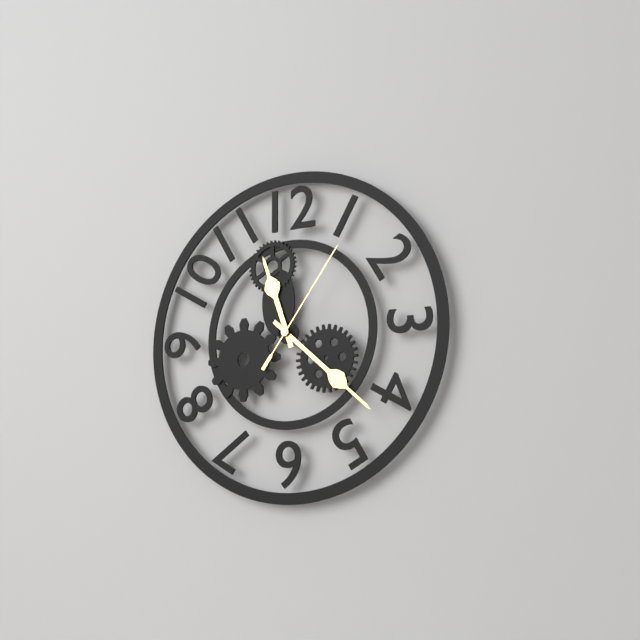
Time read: **11:22:06**
